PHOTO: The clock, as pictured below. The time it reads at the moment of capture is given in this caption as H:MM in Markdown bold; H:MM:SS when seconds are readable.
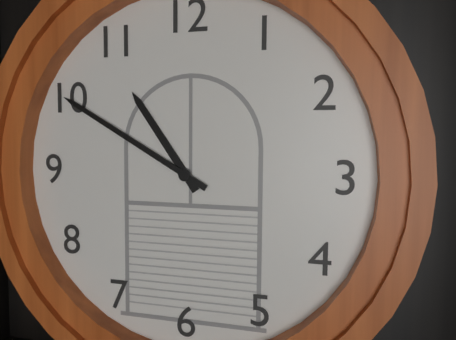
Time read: **10:50**
